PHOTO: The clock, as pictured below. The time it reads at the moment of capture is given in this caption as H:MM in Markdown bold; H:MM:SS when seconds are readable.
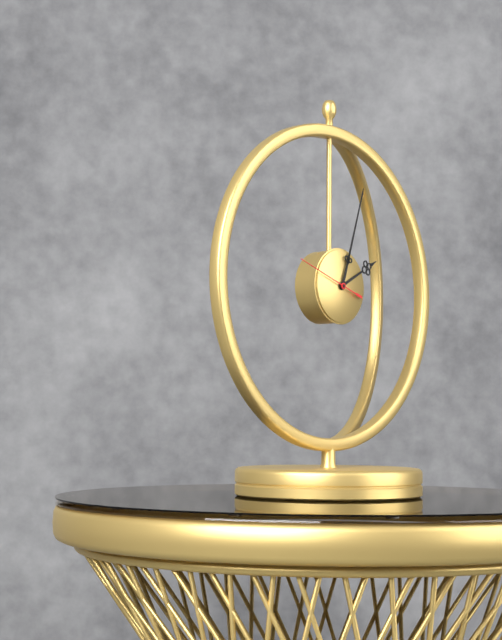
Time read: **2:03:48**
